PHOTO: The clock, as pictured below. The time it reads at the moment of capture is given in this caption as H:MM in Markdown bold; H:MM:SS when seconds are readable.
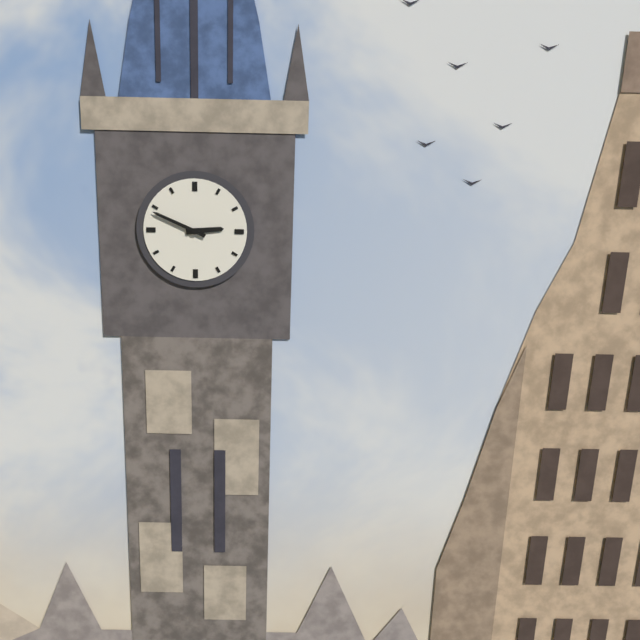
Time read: **2:49**
